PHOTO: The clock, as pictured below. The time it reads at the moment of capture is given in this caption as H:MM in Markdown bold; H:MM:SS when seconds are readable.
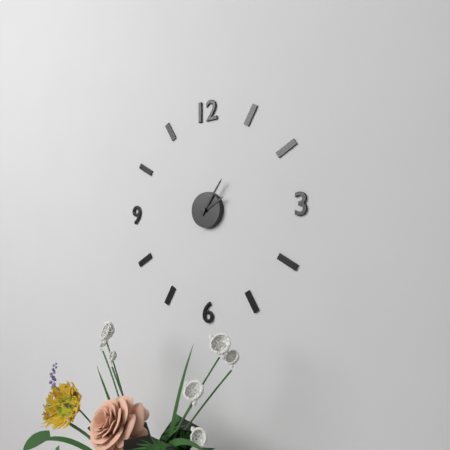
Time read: **2:06**
